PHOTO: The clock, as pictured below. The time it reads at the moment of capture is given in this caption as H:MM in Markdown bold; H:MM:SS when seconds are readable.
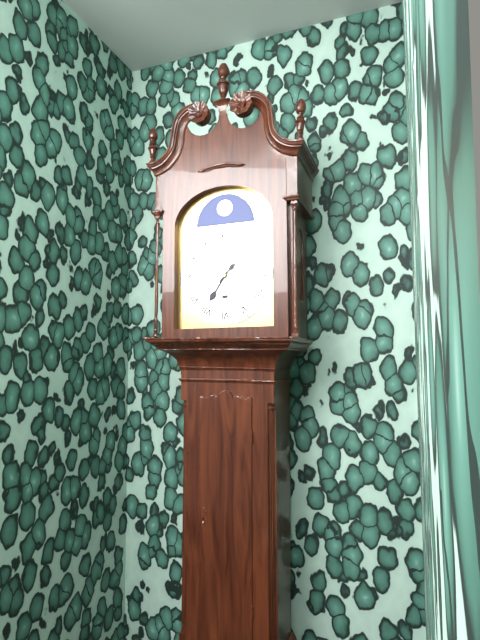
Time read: **7:07**
